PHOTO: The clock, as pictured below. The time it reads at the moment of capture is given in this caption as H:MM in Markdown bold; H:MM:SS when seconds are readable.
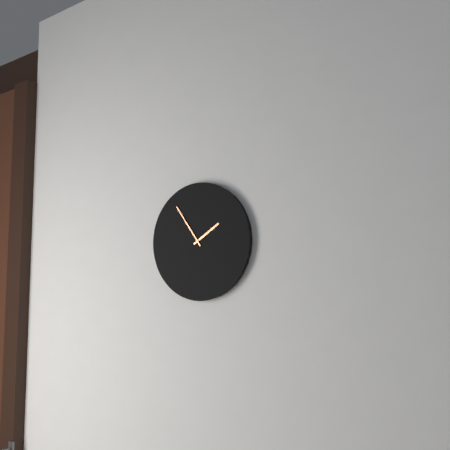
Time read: **1:54**
